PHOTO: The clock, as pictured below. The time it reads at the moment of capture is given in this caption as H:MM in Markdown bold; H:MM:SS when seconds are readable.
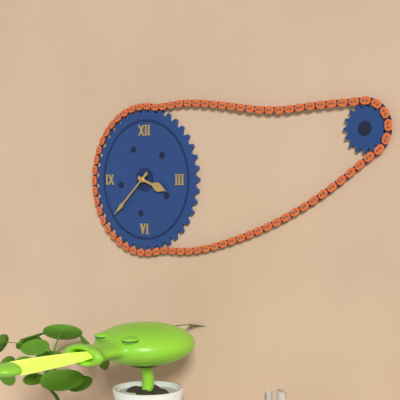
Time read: **3:38**
